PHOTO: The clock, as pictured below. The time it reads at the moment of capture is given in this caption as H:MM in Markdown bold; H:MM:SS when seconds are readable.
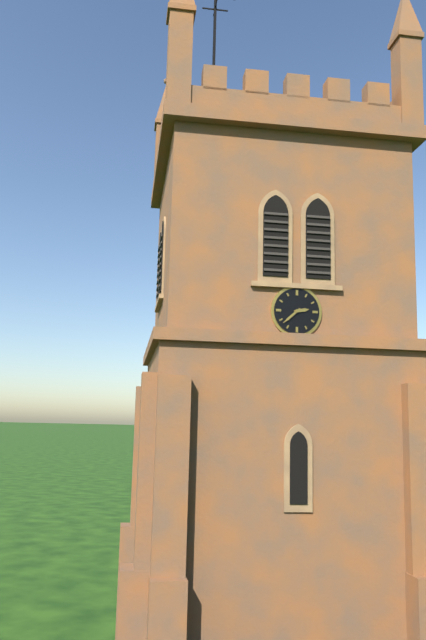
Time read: **2:38**
